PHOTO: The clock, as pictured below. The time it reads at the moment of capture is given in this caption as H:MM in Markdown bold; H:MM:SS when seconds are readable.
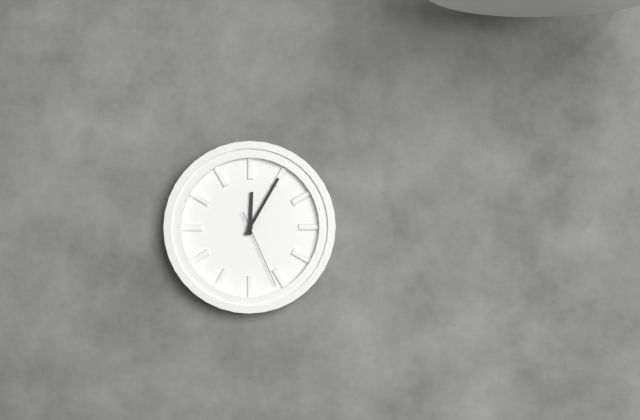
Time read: **12:05:26**
